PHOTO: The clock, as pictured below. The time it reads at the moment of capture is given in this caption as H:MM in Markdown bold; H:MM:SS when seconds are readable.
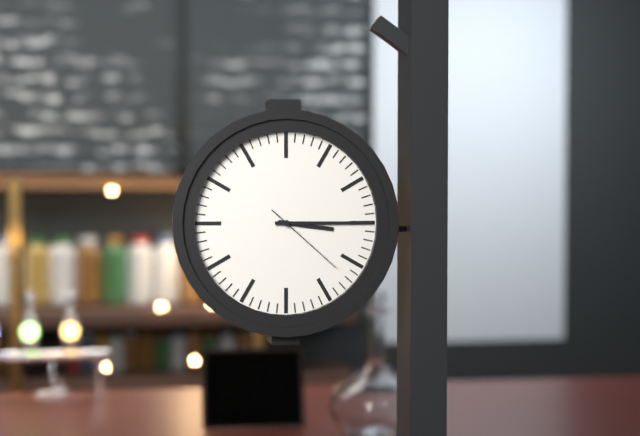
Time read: **3:15:22**
